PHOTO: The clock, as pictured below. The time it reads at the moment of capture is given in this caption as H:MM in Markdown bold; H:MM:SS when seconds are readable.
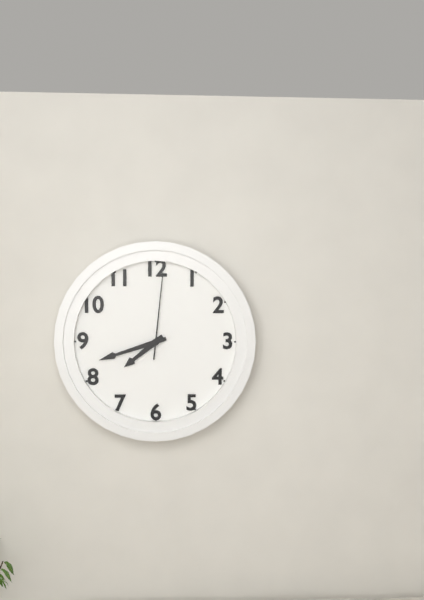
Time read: **7:42:01**
